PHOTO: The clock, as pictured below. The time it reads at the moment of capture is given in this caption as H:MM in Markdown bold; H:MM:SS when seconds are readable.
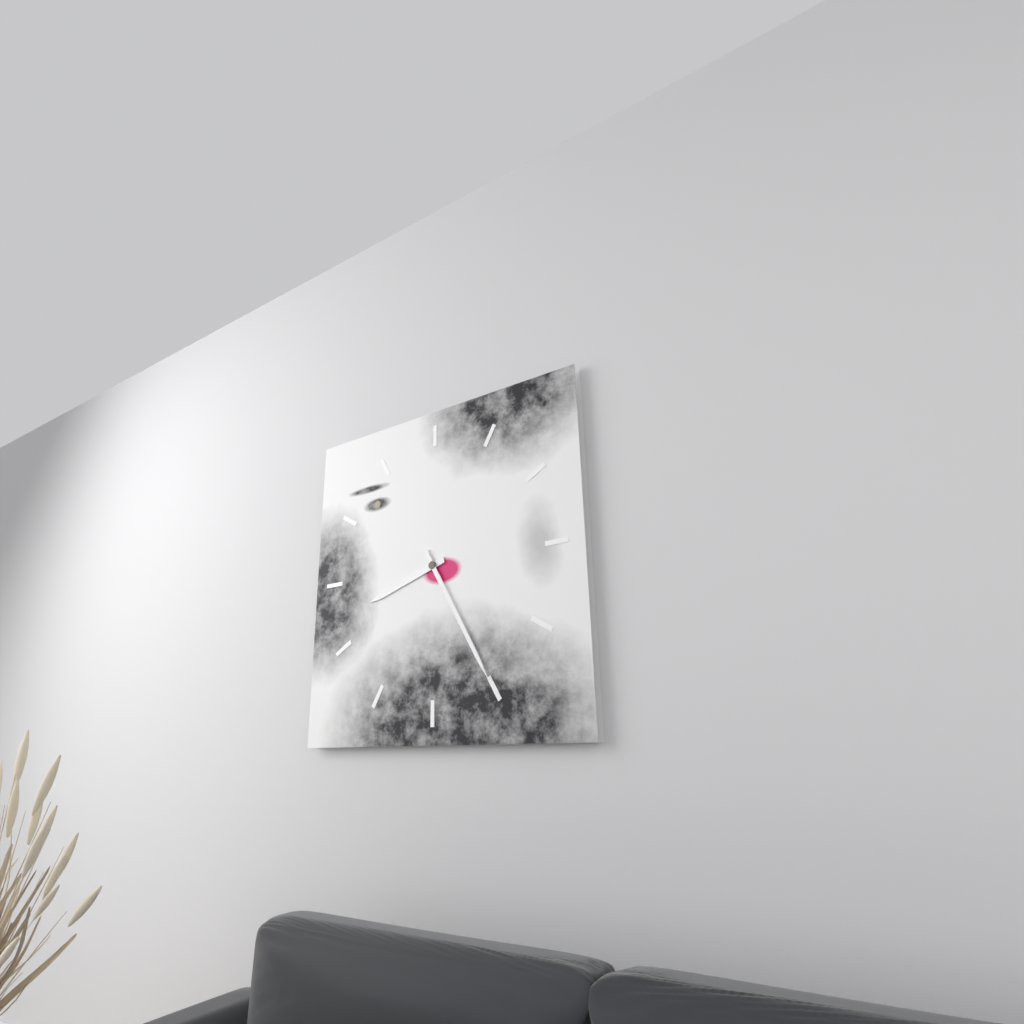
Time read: **8:25**
